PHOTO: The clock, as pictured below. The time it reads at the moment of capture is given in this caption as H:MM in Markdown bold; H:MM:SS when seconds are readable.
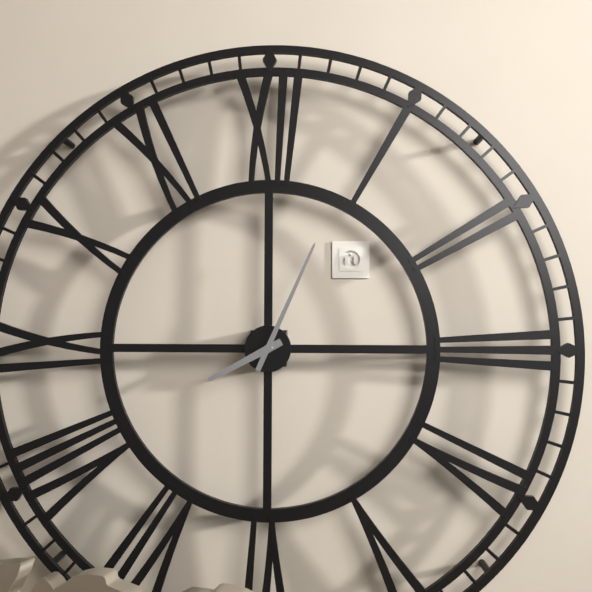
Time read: **8:04**
